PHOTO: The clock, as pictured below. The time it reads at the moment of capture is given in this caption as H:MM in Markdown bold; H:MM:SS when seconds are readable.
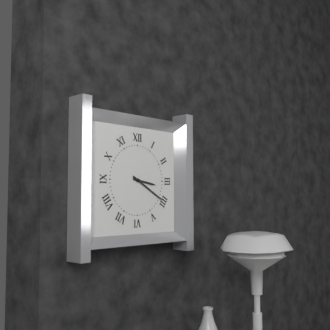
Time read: **3:20**
